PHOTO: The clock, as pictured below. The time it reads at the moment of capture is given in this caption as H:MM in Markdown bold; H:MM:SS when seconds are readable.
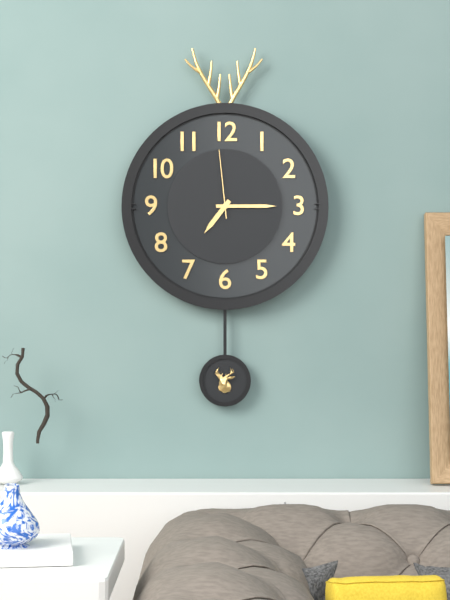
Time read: **7:15:59**
